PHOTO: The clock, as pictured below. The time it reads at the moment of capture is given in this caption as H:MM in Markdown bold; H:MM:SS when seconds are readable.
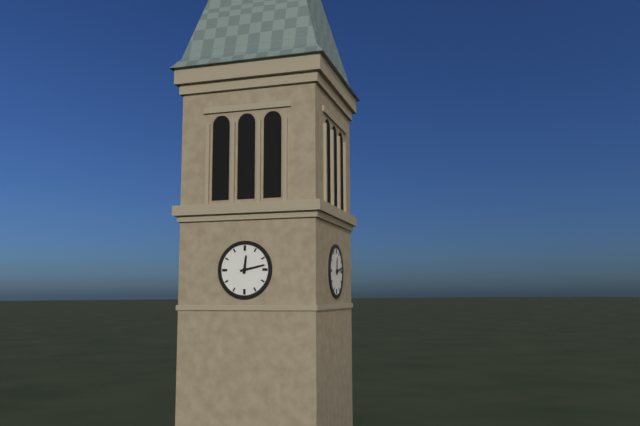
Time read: **12:13**
